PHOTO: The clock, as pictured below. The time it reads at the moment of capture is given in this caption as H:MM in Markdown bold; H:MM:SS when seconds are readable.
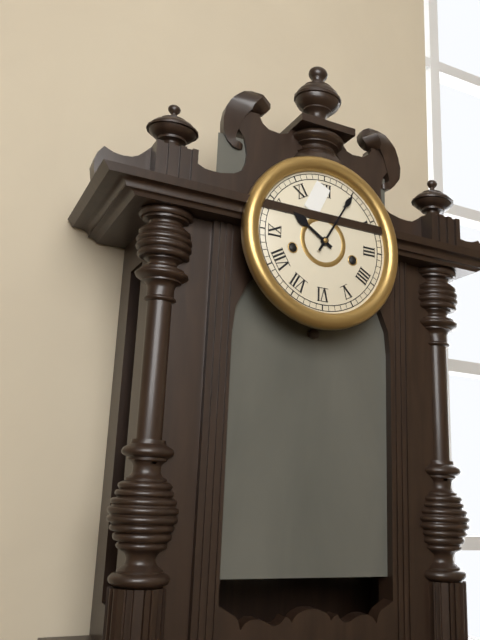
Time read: **10:05**
